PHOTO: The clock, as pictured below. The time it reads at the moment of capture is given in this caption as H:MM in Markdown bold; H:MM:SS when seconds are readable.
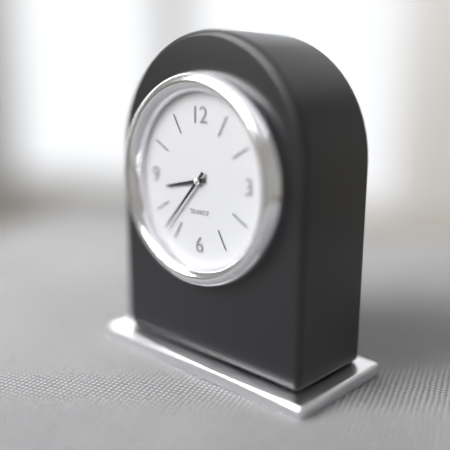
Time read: **8:37**
